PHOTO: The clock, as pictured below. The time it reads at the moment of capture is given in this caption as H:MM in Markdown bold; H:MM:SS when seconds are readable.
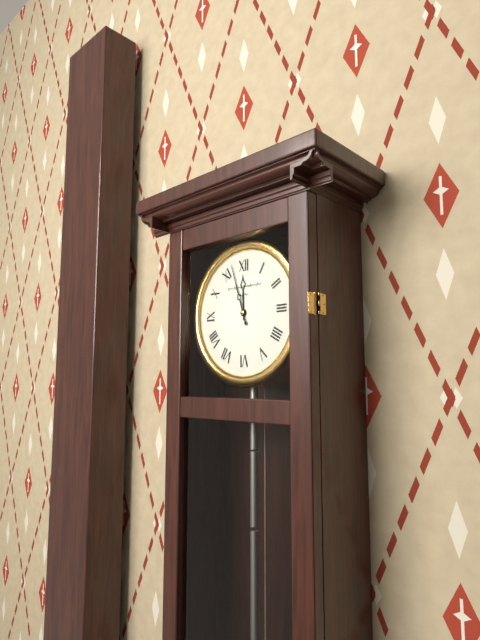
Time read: **11:57**
